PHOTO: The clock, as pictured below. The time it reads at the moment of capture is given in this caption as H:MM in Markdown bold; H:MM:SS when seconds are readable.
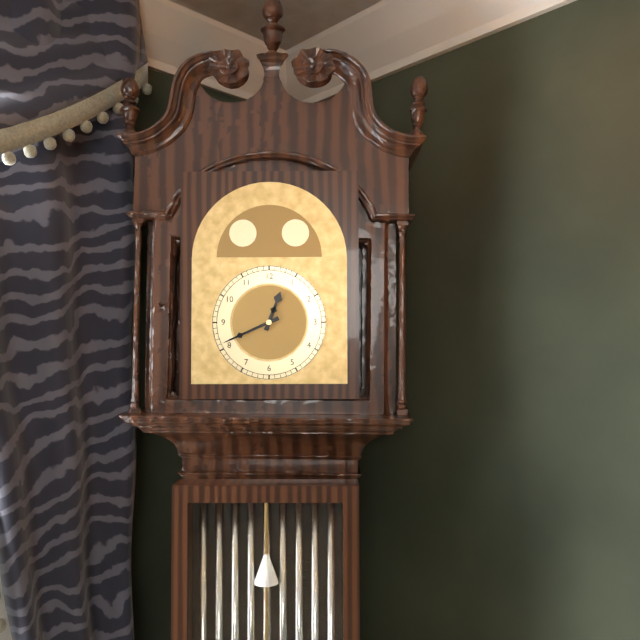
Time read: **12:41**
